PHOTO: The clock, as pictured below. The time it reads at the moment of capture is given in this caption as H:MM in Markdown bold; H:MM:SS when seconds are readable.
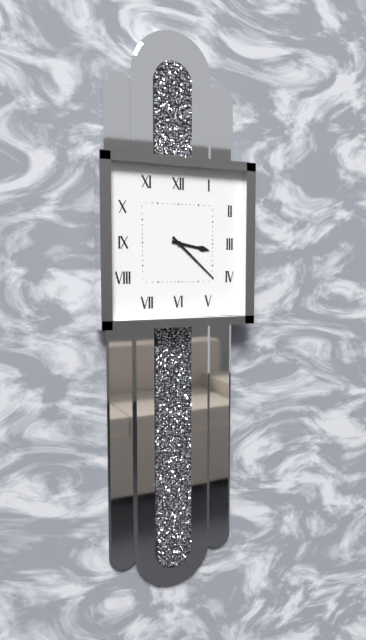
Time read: **3:22**
